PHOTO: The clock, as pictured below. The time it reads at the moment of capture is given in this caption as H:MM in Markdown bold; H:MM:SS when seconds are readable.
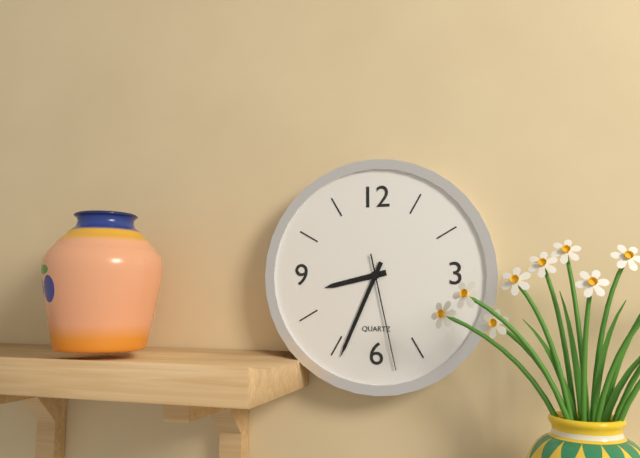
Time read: **8:34:28**
